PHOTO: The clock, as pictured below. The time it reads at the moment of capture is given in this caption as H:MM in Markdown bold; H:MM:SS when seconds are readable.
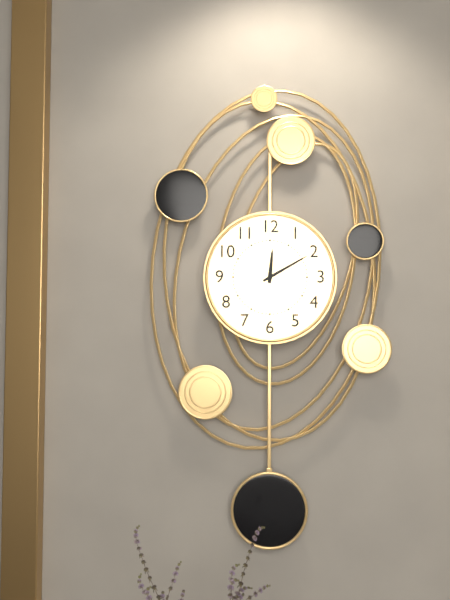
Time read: **12:10**
